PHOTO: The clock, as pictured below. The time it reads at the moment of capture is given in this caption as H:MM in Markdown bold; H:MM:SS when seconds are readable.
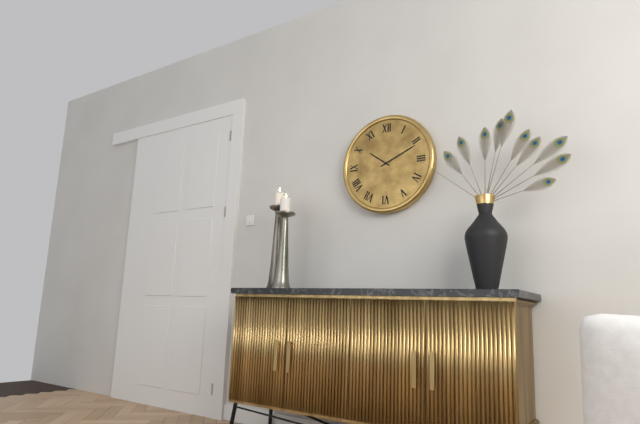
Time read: **10:11**
